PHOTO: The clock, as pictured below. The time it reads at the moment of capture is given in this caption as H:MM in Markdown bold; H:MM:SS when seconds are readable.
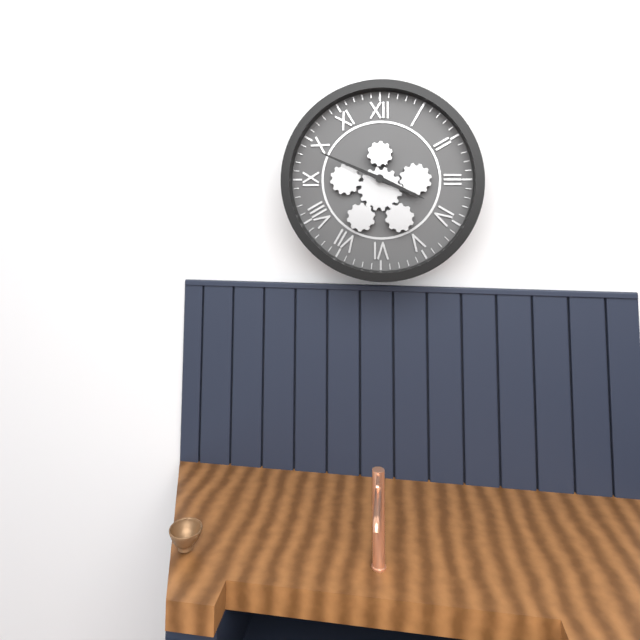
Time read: **3:49**
